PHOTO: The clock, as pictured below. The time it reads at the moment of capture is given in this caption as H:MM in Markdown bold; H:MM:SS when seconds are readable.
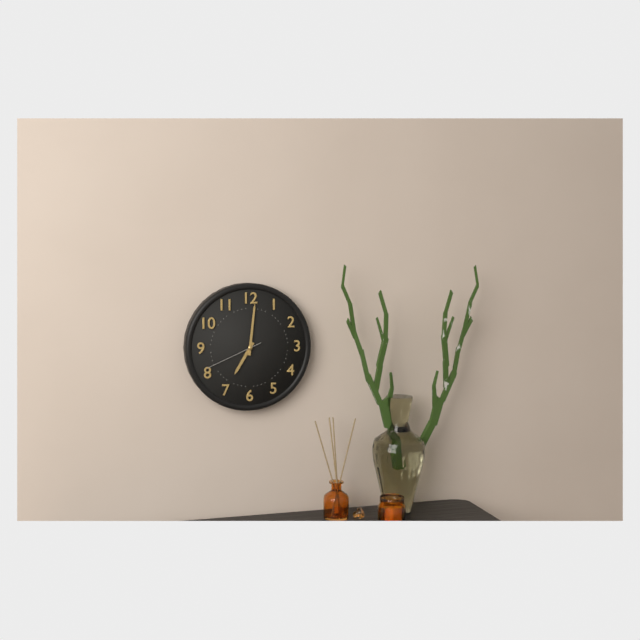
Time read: **7:01:41**
